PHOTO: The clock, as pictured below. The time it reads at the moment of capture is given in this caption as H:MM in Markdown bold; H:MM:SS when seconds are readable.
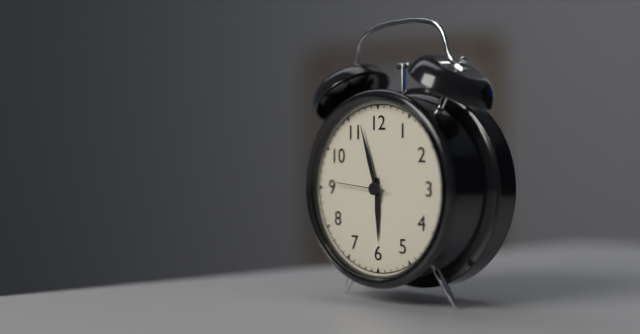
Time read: **5:57**
